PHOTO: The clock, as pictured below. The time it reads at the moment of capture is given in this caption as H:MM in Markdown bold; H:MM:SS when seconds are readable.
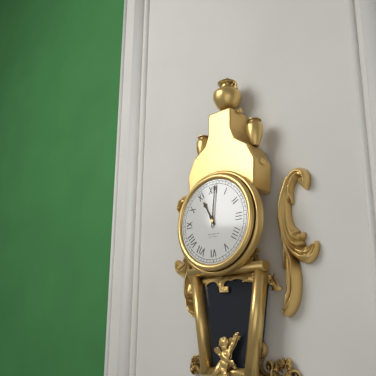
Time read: **11:01**
